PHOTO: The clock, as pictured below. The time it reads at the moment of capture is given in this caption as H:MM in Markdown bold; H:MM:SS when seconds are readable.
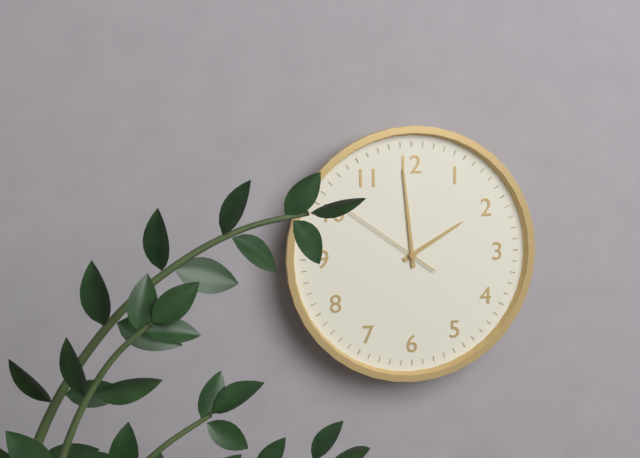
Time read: **1:59:51**
